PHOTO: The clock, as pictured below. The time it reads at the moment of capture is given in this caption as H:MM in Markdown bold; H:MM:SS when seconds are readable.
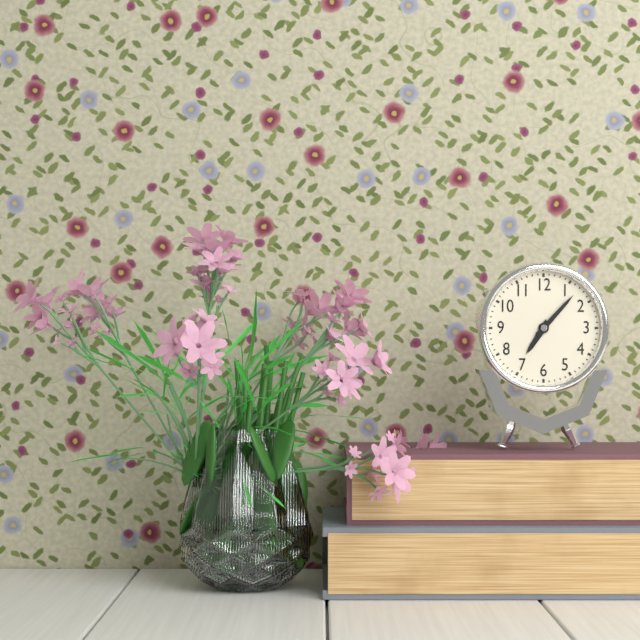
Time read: **7:07**
